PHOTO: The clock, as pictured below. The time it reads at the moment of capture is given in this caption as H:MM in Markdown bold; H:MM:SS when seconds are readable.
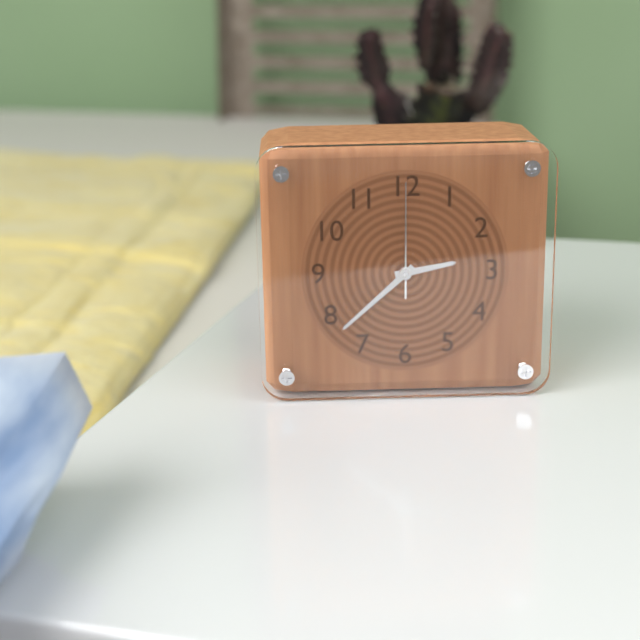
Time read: **2:38:00**
